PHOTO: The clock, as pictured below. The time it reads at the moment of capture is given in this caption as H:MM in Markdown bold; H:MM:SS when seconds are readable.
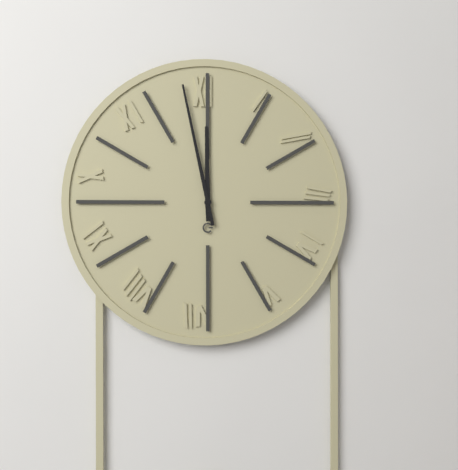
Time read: **11:58**
